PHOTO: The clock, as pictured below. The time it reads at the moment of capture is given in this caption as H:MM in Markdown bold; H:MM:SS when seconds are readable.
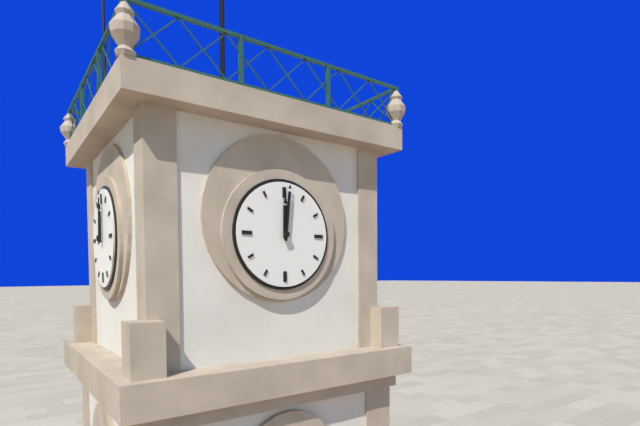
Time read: **12:01**
